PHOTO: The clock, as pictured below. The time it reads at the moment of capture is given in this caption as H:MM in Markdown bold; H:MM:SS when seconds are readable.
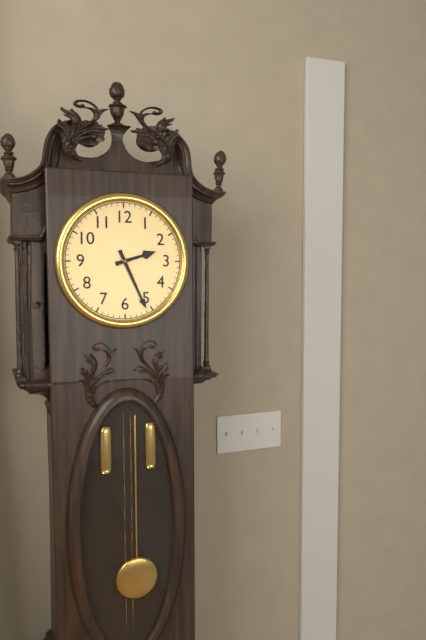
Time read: **2:26**
